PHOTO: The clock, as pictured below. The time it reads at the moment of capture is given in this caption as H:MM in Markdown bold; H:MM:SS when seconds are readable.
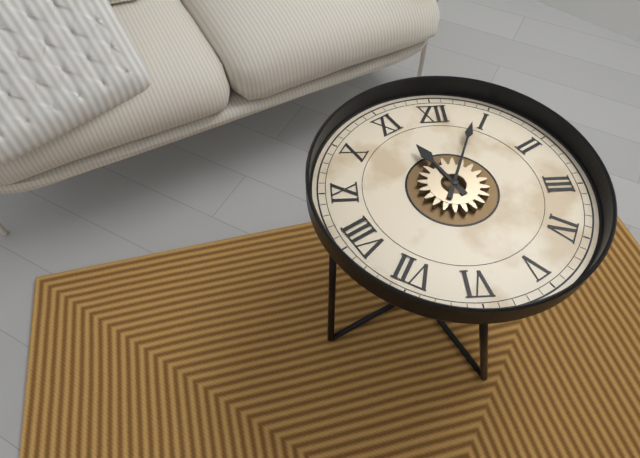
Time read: **11:04**
